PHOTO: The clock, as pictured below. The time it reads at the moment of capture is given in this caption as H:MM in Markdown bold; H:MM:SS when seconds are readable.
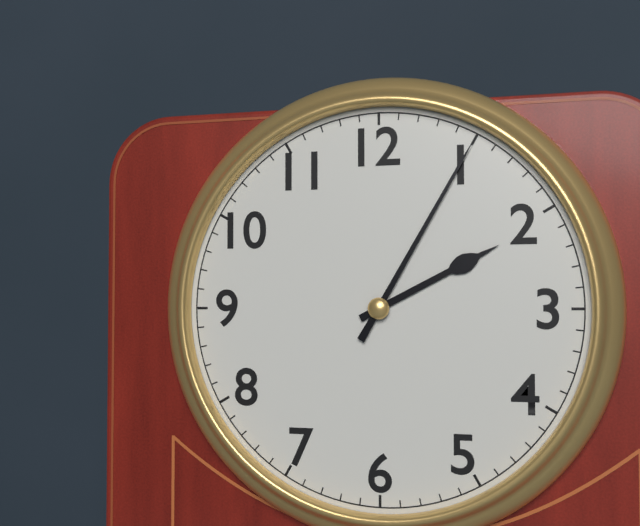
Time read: **2:05**
